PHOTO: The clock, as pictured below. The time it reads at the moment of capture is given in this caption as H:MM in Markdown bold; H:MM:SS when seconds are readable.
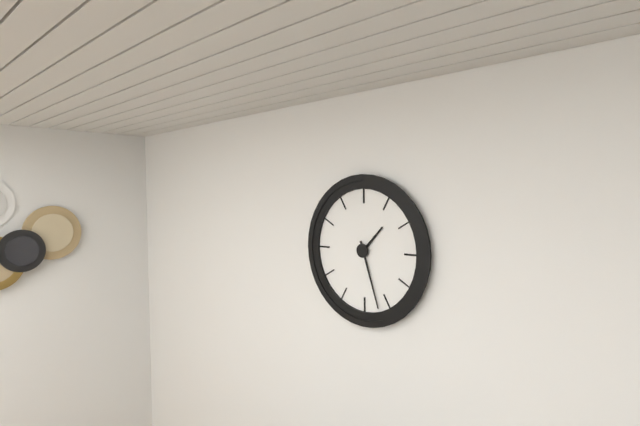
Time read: **1:27**
